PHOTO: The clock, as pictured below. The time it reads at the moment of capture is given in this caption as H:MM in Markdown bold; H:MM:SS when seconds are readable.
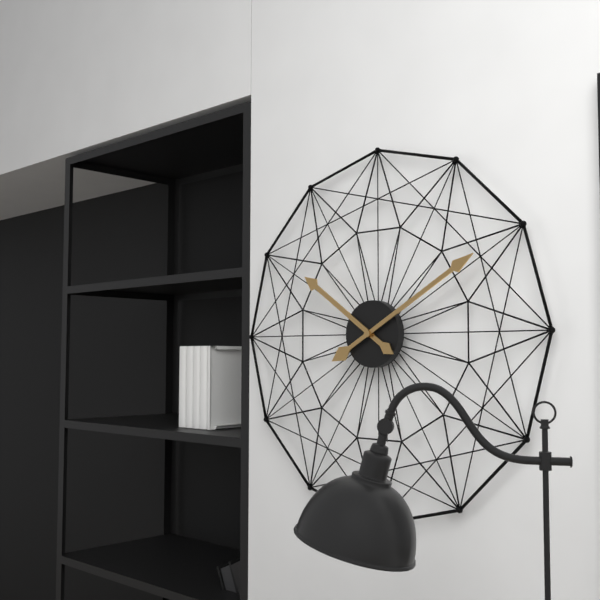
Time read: **10:10**
